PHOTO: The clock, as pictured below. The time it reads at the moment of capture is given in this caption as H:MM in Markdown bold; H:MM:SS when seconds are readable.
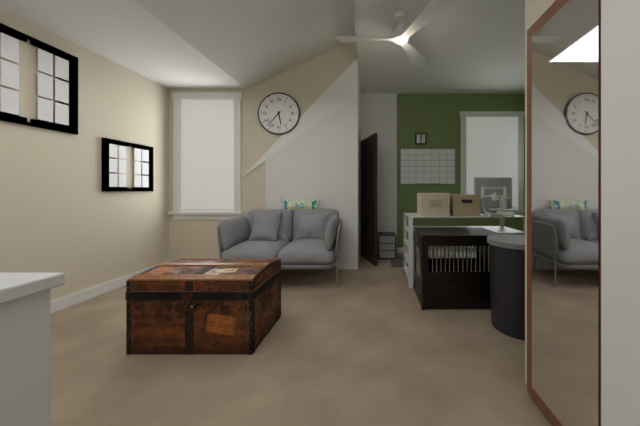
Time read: **5:37**
